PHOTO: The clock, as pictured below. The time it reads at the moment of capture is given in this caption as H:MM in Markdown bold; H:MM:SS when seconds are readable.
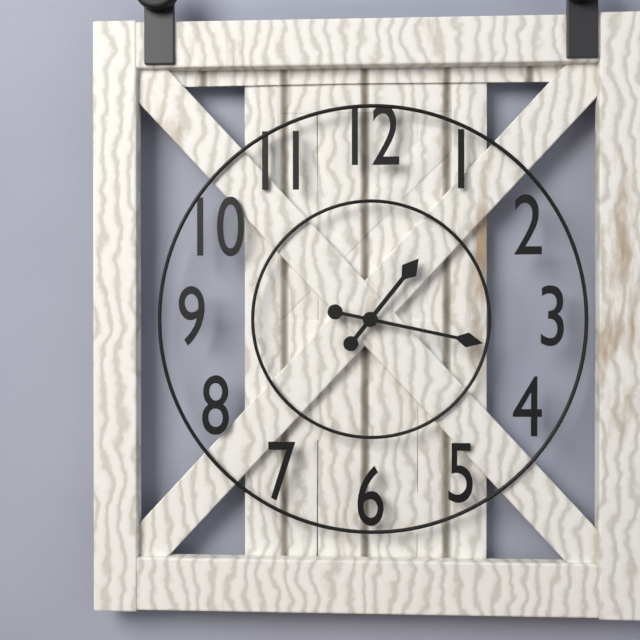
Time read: **1:17**
